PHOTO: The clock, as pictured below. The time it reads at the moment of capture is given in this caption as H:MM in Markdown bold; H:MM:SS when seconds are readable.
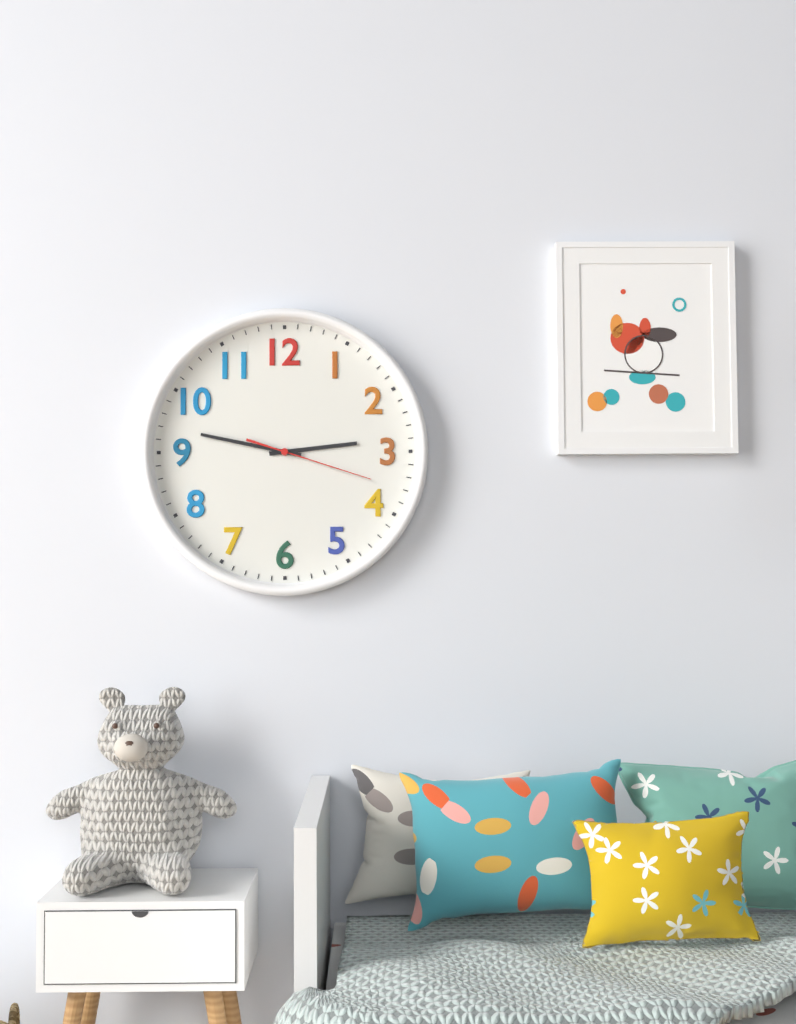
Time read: **2:47:18**
